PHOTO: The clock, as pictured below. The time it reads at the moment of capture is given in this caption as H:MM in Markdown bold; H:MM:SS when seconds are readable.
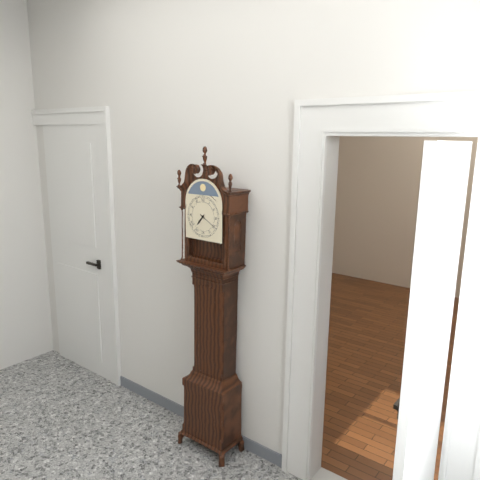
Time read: **7:20**
